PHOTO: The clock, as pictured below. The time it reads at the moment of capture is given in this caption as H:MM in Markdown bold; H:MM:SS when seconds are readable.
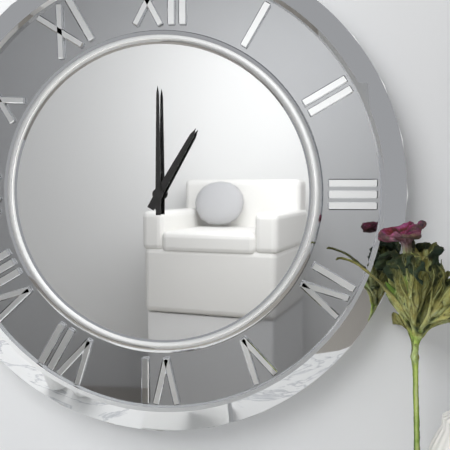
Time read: **1:00**
